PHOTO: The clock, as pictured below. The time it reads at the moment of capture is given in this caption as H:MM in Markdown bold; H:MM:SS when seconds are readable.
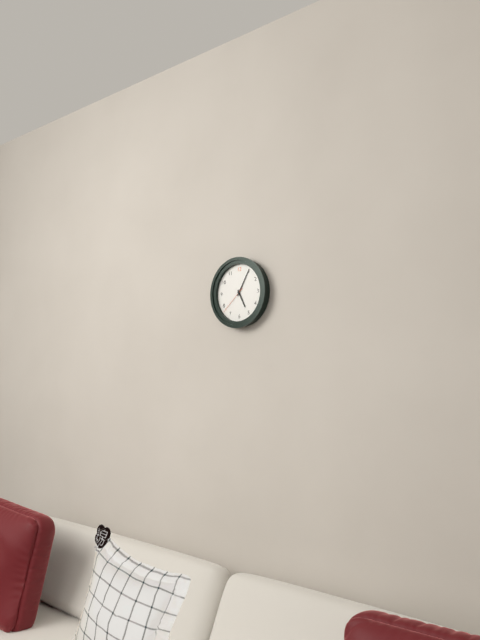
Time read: **5:05**
